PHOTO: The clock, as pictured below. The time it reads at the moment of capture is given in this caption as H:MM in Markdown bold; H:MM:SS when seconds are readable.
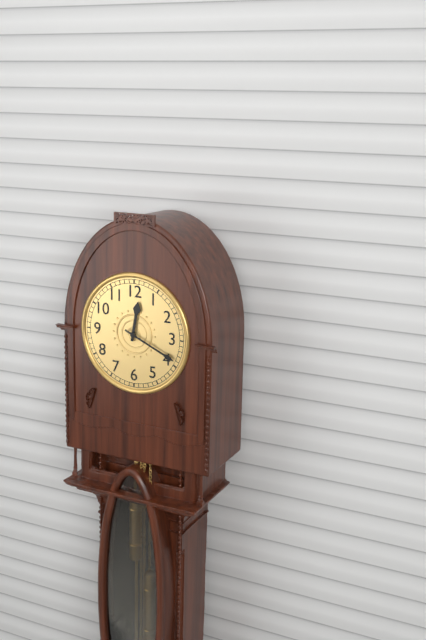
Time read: **12:19**
